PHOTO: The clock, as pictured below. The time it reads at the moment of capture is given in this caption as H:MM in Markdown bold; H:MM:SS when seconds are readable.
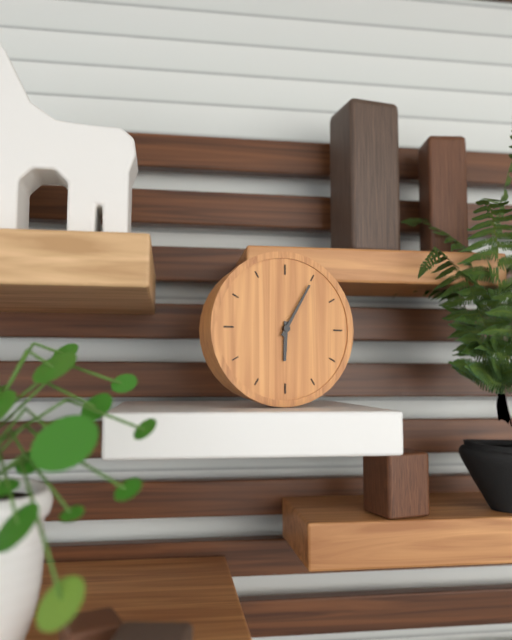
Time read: **6:05**
